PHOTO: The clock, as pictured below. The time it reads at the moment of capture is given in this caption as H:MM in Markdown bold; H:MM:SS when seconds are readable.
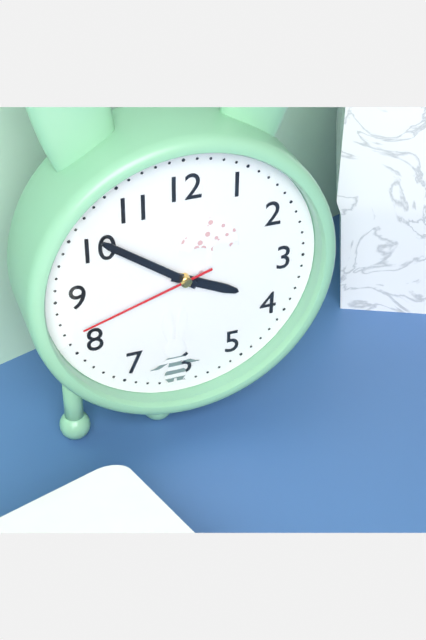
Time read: **3:51:42**
